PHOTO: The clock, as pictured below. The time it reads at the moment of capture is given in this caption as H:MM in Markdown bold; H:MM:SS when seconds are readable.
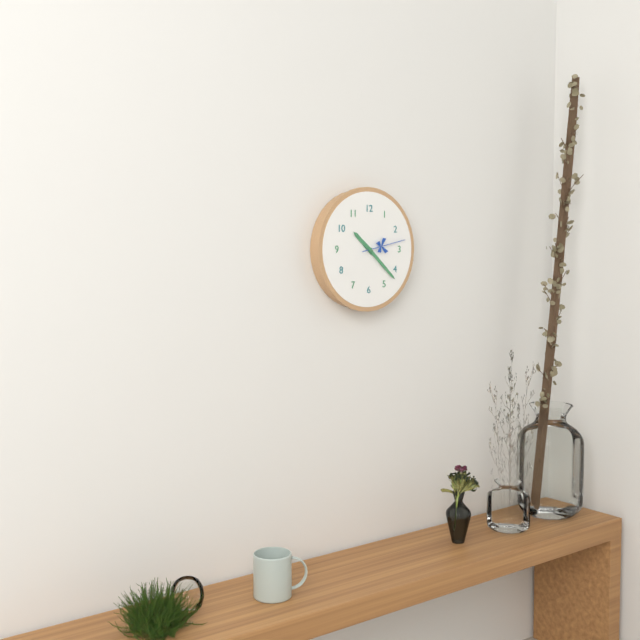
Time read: **10:22**
